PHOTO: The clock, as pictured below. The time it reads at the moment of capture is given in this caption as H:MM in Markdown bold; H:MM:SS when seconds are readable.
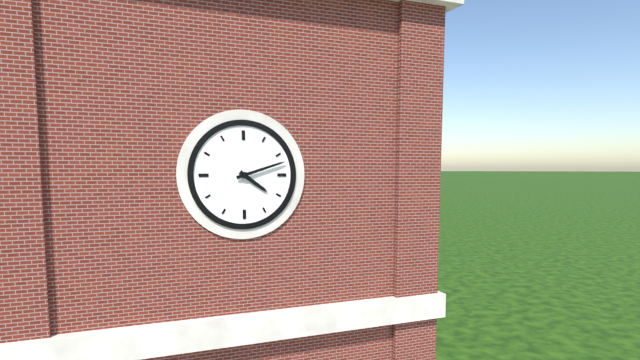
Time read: **4:12**
